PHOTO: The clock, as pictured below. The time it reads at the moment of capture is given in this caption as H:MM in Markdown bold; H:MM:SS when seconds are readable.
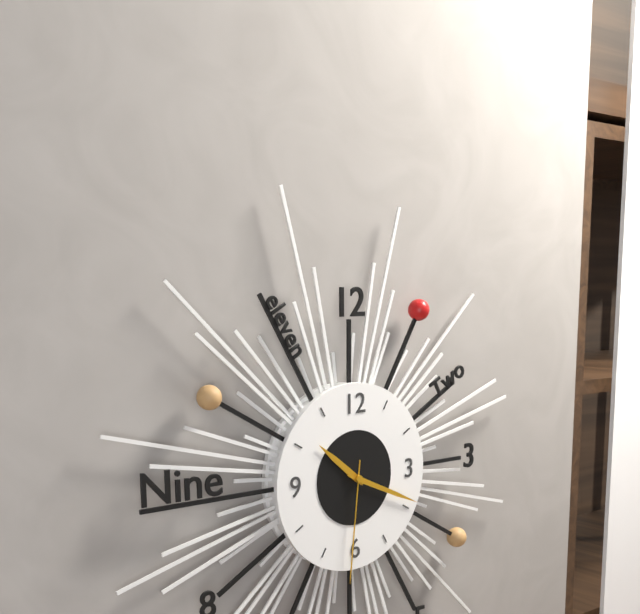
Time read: **10:19:31**
